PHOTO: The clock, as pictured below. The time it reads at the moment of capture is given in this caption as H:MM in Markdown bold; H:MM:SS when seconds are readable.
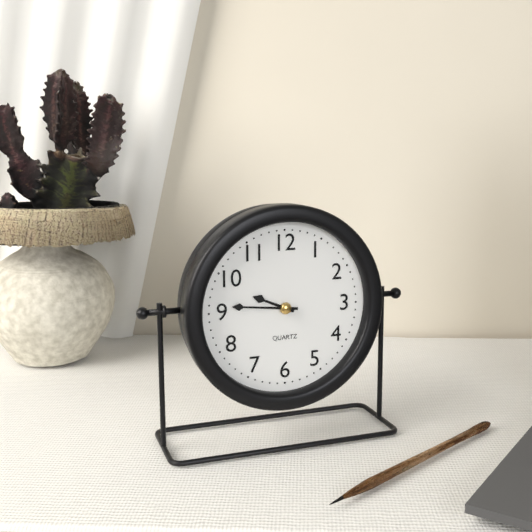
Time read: **9:46**
